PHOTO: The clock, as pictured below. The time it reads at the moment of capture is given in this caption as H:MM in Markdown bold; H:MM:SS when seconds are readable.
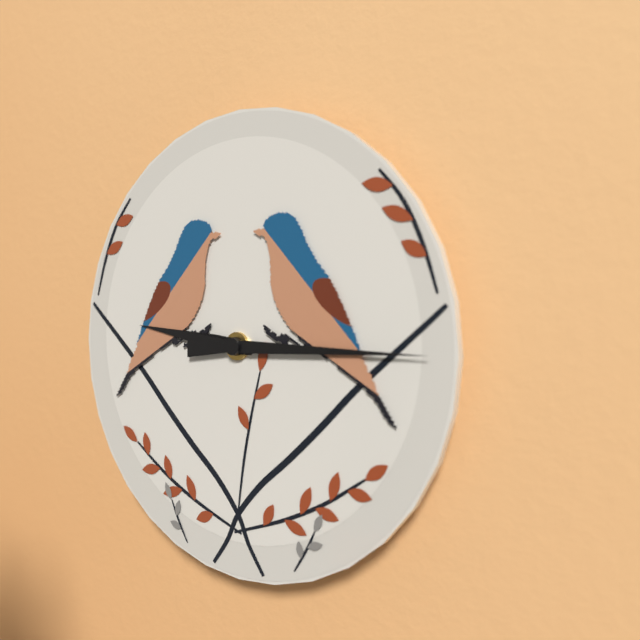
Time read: **9:15**
